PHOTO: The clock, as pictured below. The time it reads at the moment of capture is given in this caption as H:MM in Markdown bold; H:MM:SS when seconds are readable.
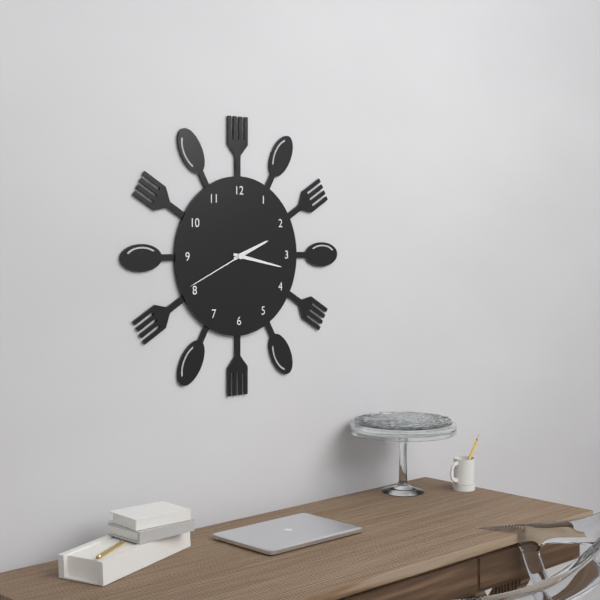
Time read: **2:17:41**
